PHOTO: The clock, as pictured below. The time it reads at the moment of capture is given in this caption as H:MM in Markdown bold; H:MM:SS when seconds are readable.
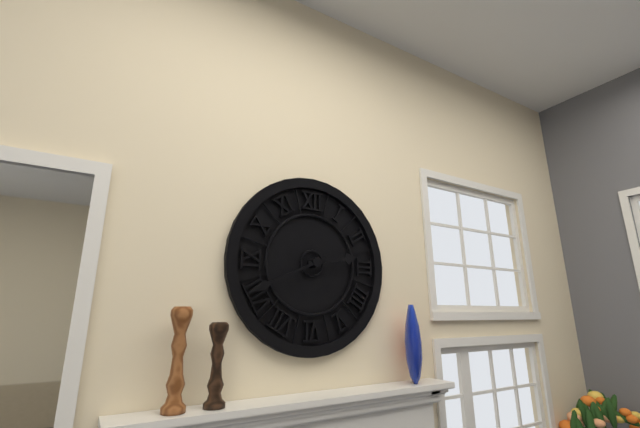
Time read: **2:41**
